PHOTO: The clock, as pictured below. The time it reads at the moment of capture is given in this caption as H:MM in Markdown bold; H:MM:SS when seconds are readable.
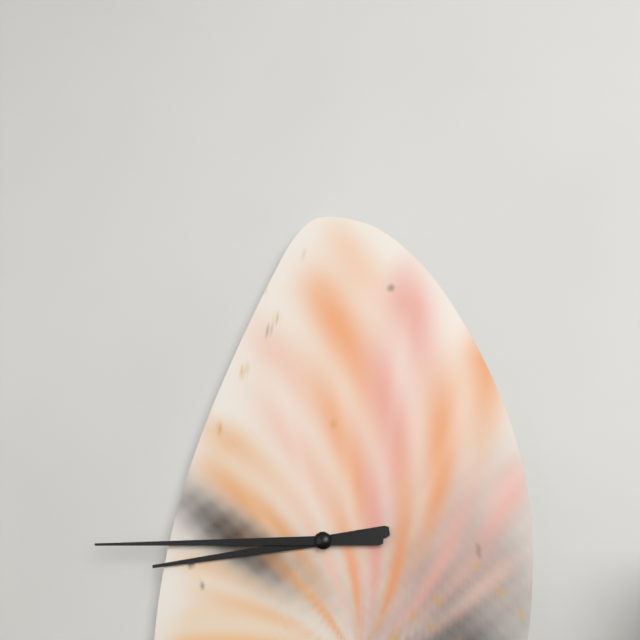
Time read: **8:45**
